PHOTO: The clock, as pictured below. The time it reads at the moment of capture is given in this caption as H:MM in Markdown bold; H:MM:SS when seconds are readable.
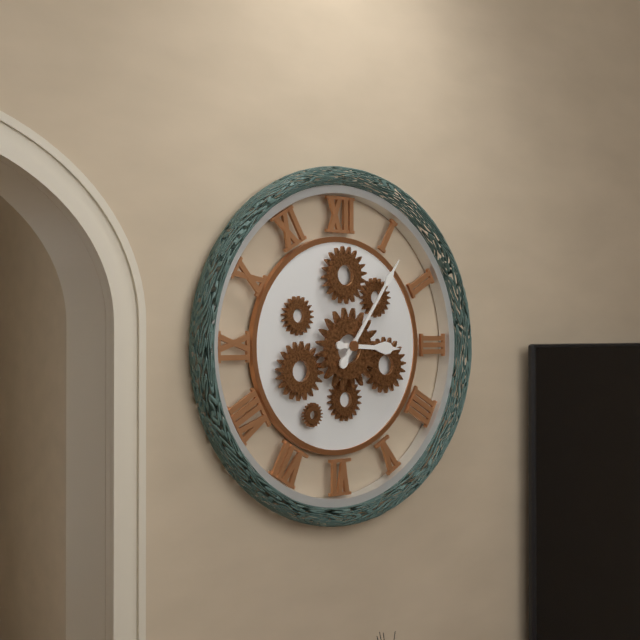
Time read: **3:06**
